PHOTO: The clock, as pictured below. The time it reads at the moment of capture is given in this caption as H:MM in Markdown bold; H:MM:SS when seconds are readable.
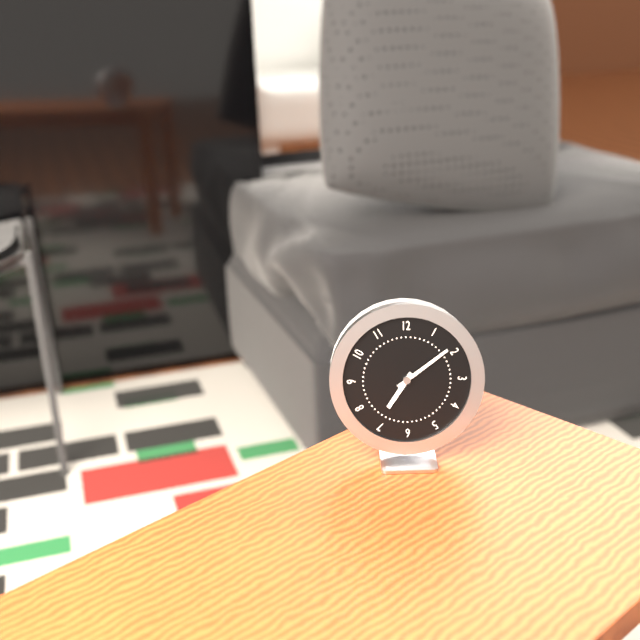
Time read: **7:09**
